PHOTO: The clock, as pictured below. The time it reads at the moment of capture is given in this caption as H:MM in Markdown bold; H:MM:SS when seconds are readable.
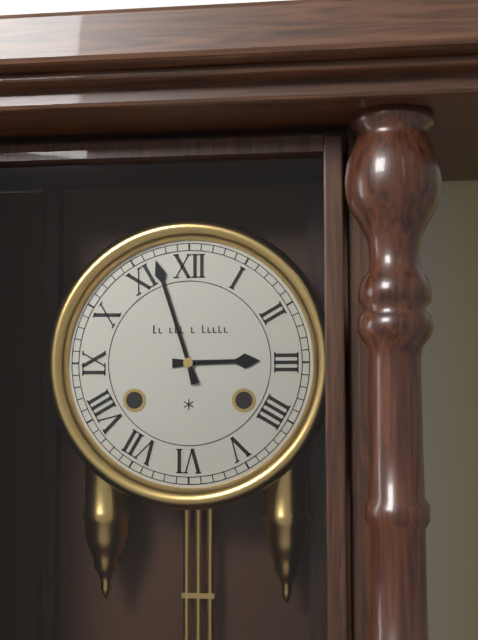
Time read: **2:57**
